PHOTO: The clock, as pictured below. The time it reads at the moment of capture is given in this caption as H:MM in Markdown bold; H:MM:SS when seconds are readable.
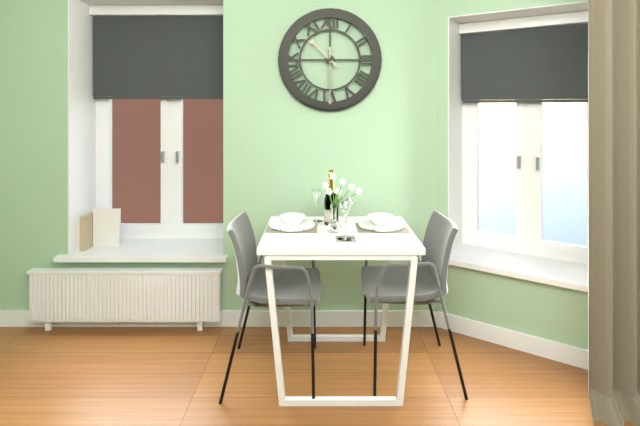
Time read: **10:30**
